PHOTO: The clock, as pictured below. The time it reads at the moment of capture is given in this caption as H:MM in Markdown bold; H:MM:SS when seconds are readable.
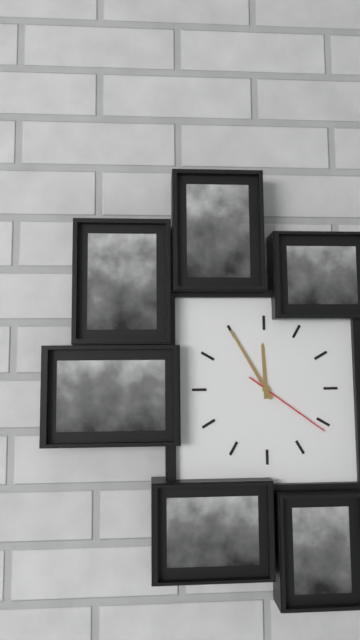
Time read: **11:55:21**
